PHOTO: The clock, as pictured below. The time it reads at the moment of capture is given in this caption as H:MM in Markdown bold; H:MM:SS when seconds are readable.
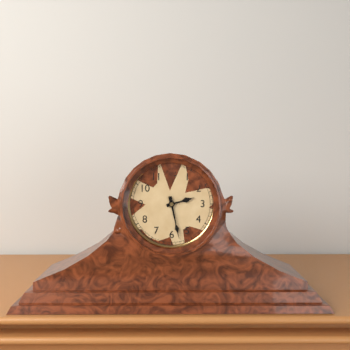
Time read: **2:28**
